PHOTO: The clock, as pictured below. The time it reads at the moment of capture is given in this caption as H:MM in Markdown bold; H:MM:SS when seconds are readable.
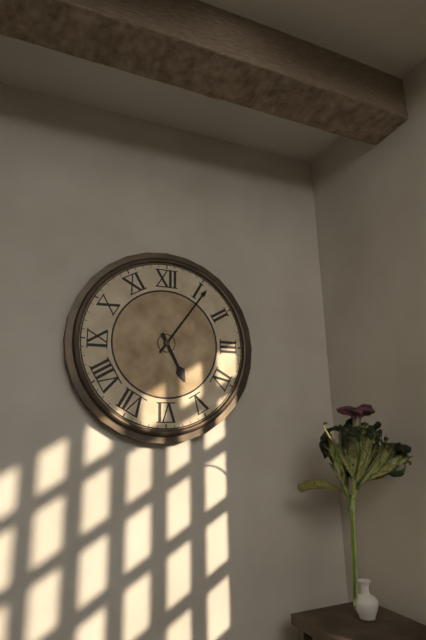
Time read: **5:06**
